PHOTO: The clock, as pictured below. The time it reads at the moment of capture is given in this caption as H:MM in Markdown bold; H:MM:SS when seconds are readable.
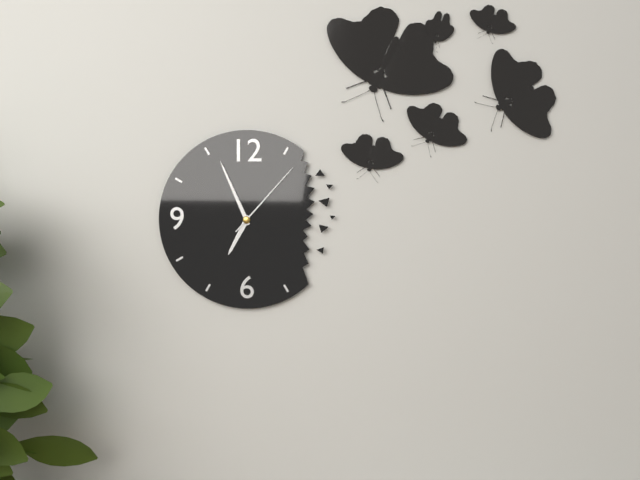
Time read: **6:56:07**
